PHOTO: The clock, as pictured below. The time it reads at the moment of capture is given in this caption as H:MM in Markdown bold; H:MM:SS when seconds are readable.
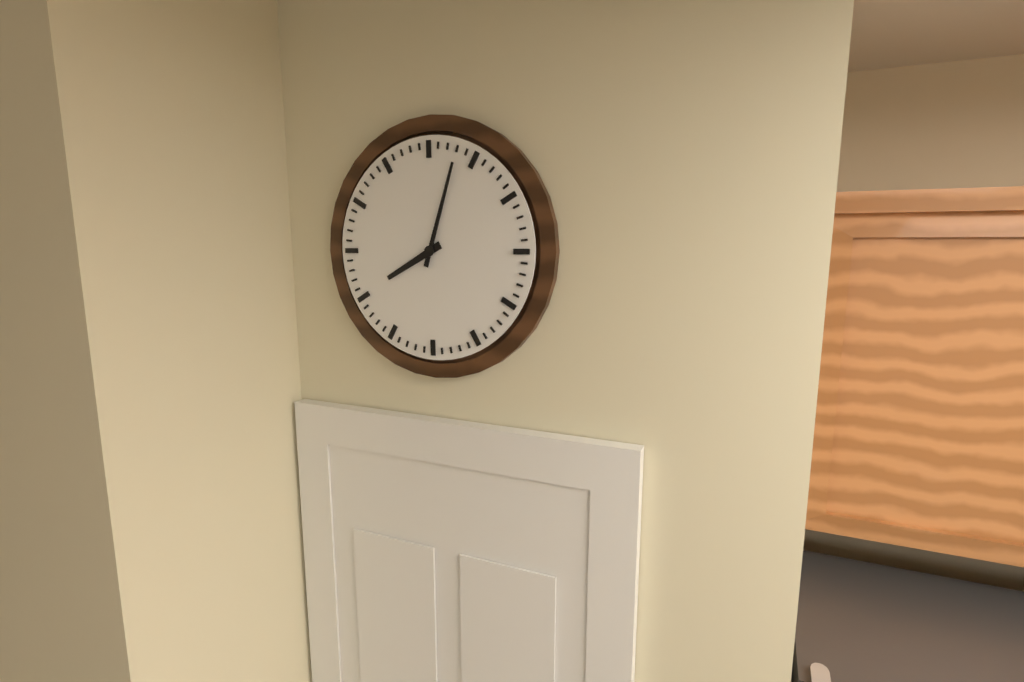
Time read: **8:03**
